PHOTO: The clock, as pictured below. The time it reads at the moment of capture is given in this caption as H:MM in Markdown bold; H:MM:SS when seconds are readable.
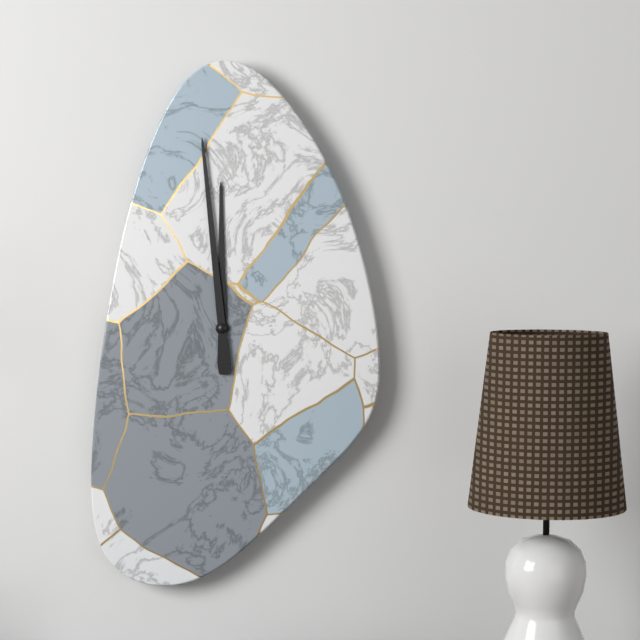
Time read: **11:59**
